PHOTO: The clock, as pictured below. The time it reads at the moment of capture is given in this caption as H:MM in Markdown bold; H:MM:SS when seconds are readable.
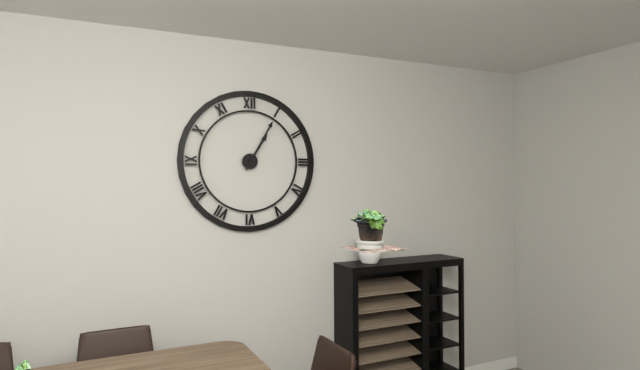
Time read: **1:05**
